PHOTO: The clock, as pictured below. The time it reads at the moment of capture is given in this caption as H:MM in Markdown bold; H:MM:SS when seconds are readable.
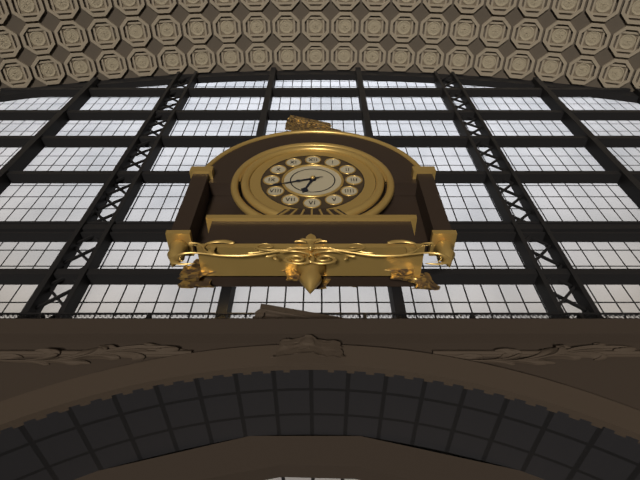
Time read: **6:42**
